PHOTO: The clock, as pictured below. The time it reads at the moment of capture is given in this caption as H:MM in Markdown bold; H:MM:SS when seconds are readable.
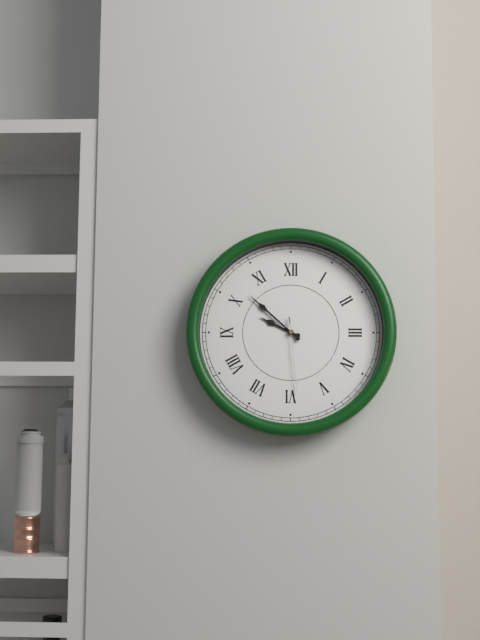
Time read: **9:52:29**
